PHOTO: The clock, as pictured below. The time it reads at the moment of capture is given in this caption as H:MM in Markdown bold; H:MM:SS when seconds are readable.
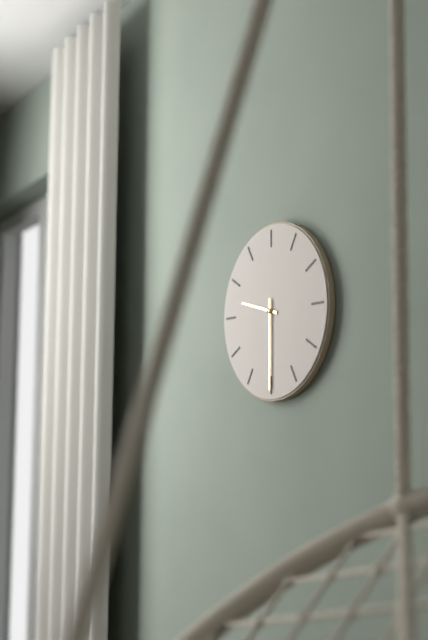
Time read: **9:30**
